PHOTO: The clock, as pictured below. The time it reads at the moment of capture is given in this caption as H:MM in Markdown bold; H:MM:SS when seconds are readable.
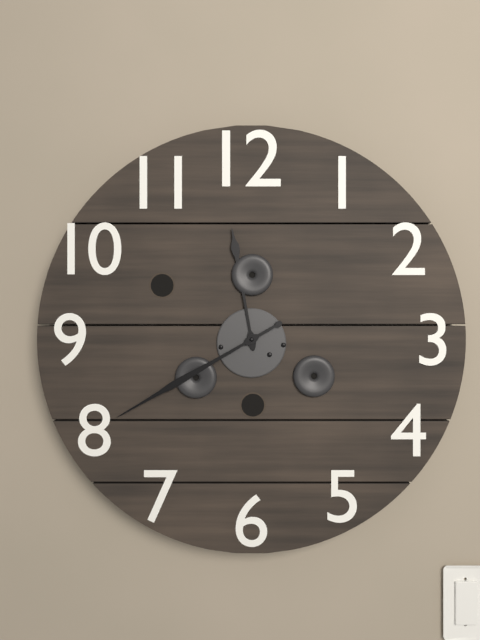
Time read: **11:40**
